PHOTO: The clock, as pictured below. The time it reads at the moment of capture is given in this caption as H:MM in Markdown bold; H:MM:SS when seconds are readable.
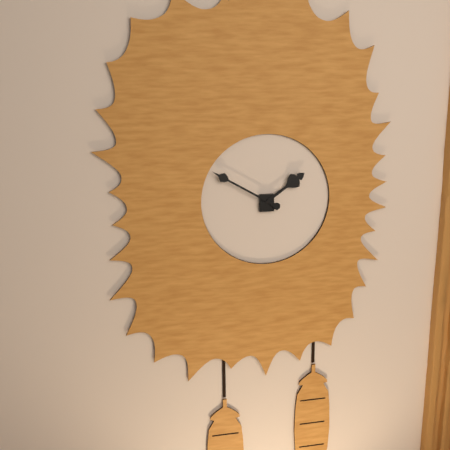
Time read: **1:50**
